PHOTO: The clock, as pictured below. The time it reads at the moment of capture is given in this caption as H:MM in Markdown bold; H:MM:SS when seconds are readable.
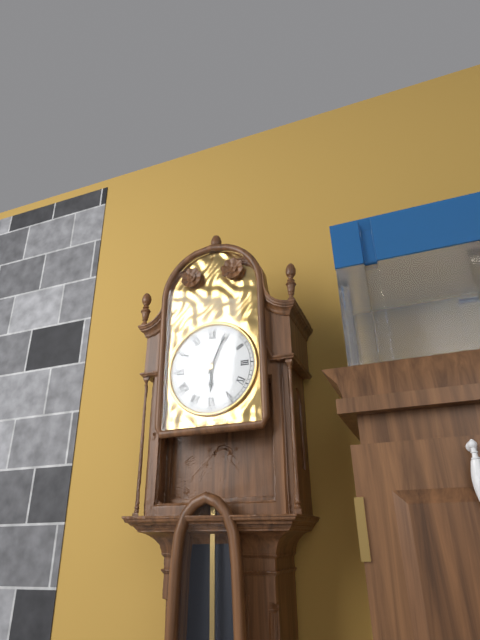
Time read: **6:04**
